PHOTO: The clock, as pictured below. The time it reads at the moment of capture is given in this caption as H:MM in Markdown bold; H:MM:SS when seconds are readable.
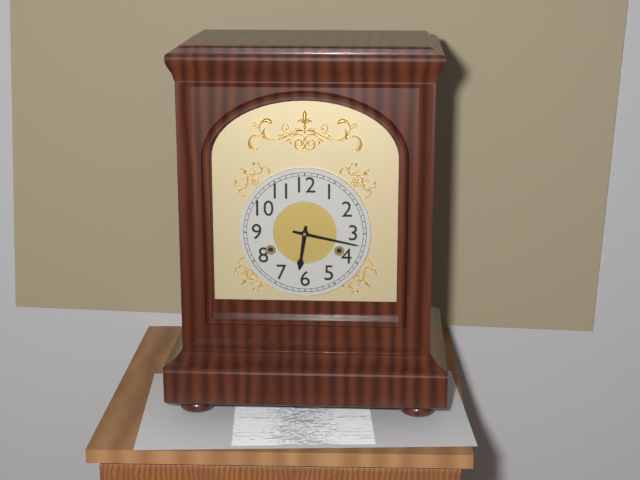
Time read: **6:17**
